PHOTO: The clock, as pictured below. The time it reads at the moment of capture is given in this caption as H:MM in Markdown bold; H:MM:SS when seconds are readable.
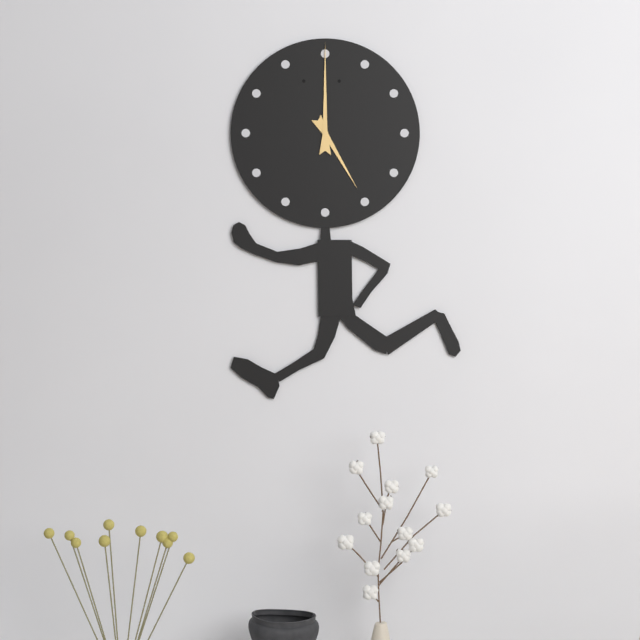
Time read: **5:00**
